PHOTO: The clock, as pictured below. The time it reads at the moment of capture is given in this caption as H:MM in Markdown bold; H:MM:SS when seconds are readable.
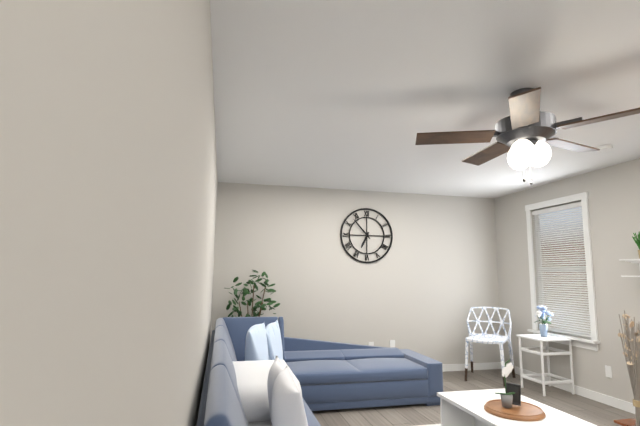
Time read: **6:53**
